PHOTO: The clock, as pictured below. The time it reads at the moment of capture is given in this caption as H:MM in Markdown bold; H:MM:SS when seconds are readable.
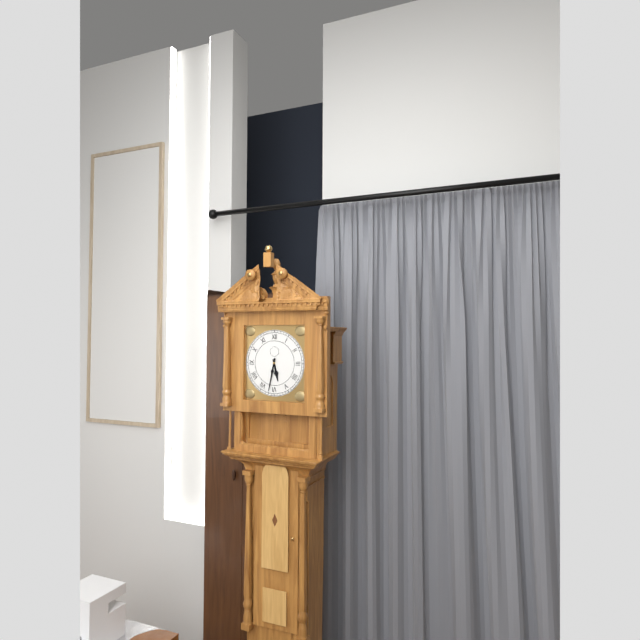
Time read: **5:32**
